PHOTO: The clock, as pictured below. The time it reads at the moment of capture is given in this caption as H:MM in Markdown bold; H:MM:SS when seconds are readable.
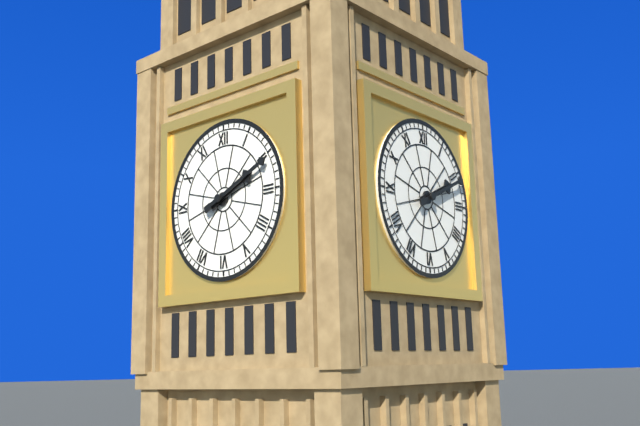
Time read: **2:11**
